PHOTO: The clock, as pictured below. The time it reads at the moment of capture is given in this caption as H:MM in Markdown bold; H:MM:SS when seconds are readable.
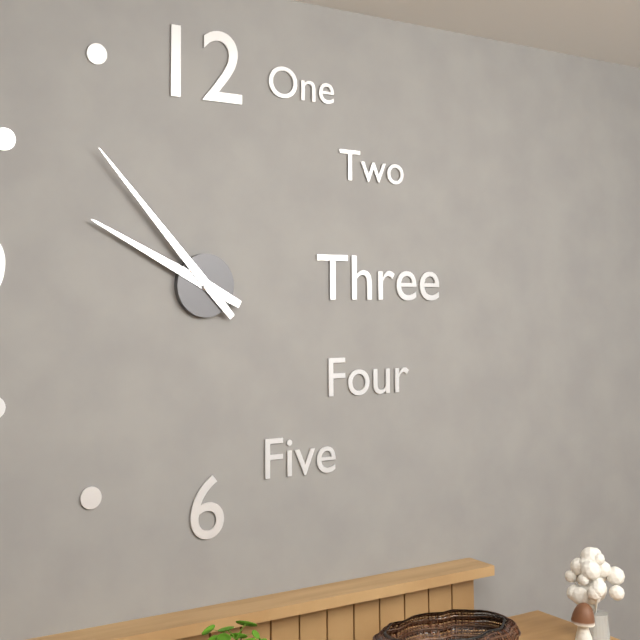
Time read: **9:53**
